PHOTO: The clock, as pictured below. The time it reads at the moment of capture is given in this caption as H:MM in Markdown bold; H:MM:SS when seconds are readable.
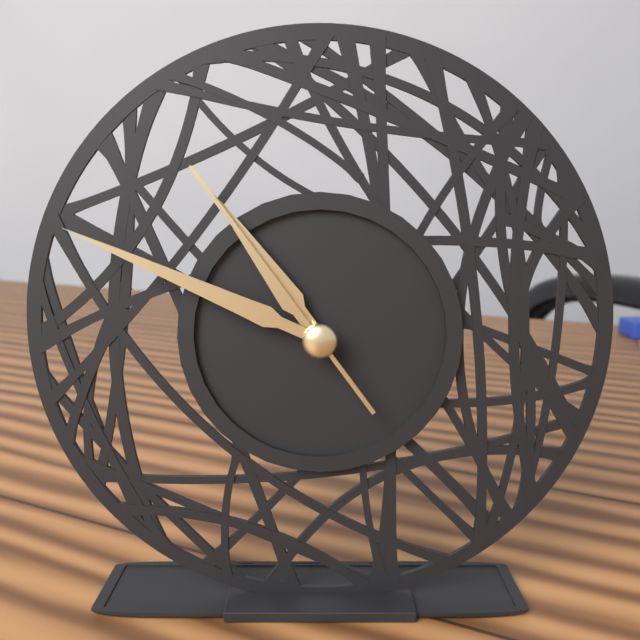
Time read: **10:49:54**
